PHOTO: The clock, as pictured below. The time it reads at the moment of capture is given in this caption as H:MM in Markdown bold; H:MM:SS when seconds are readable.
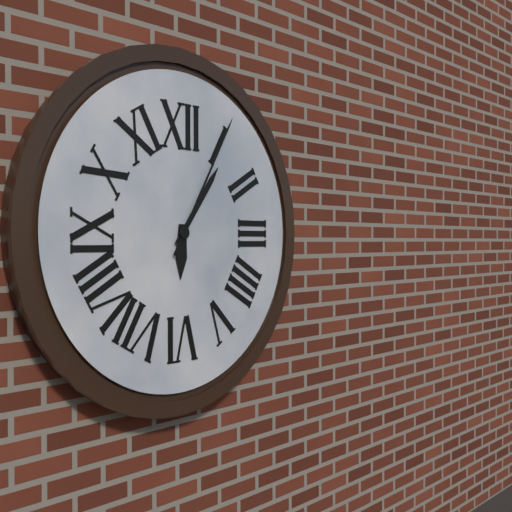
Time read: **6:06:05**
